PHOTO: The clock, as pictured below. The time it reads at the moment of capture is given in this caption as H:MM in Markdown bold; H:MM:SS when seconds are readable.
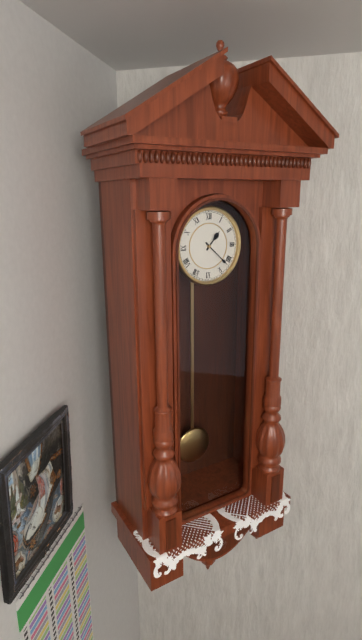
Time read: **1:22**
